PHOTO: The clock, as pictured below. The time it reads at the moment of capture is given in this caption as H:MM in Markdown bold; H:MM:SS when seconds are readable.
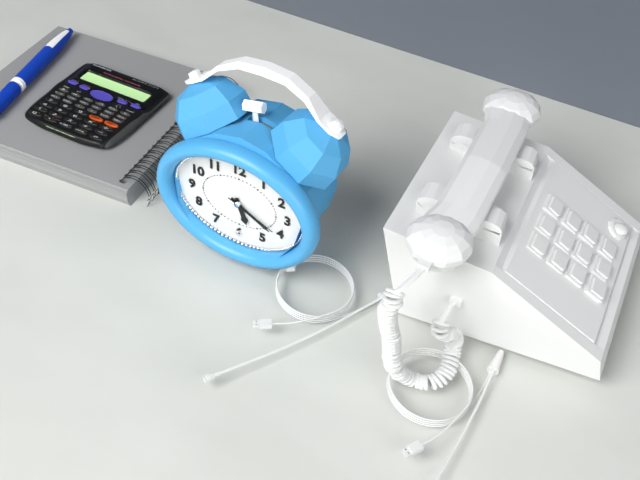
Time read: **5:20:19**
